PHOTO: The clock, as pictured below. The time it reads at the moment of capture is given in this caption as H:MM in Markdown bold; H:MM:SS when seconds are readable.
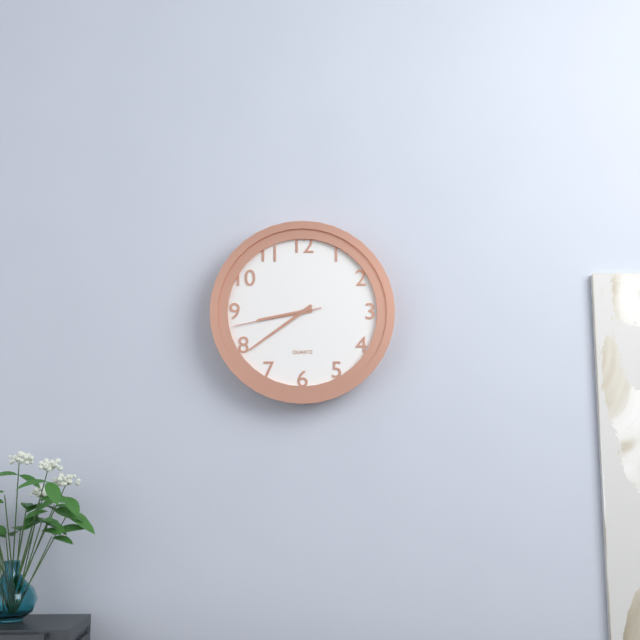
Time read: **8:39:43**
